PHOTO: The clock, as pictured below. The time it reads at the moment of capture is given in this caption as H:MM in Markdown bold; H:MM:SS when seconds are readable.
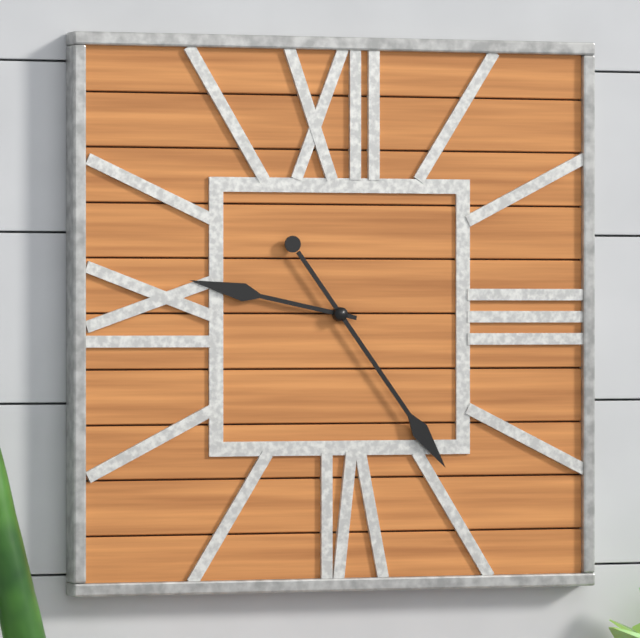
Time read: **9:24**
